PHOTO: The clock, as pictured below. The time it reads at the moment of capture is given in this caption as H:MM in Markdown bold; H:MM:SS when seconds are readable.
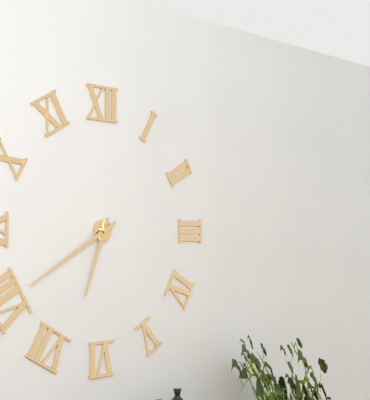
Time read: **6:40**
